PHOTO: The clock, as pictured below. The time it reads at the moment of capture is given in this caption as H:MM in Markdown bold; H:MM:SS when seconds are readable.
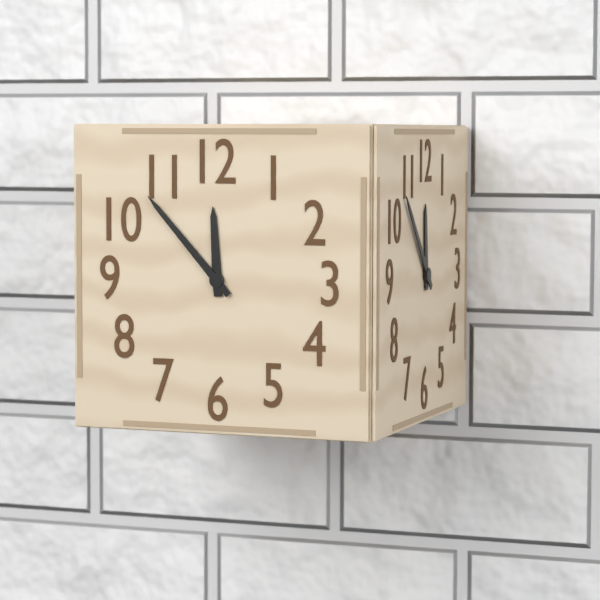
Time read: **11:53**
